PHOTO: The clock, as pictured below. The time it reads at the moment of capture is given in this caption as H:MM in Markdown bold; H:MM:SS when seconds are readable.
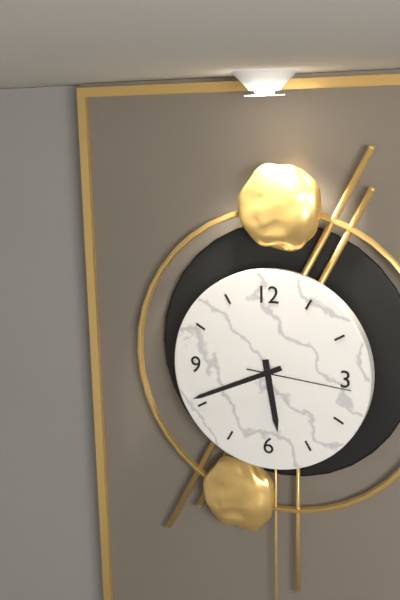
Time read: **5:41:16**
